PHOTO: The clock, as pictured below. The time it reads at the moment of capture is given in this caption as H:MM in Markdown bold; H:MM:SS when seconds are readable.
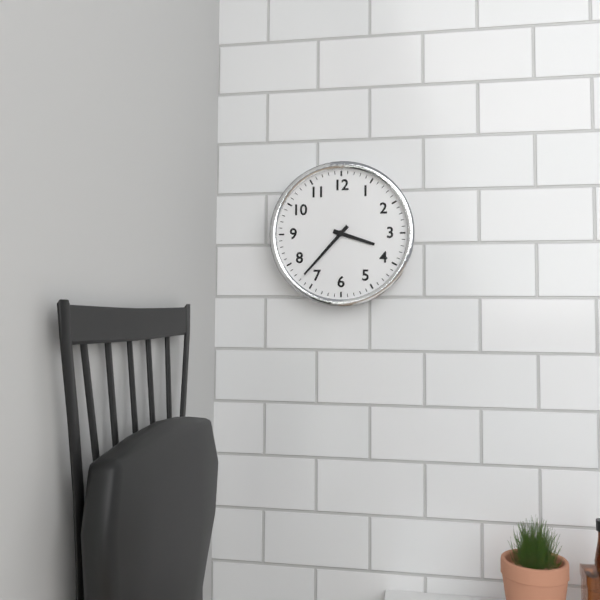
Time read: **3:37**
